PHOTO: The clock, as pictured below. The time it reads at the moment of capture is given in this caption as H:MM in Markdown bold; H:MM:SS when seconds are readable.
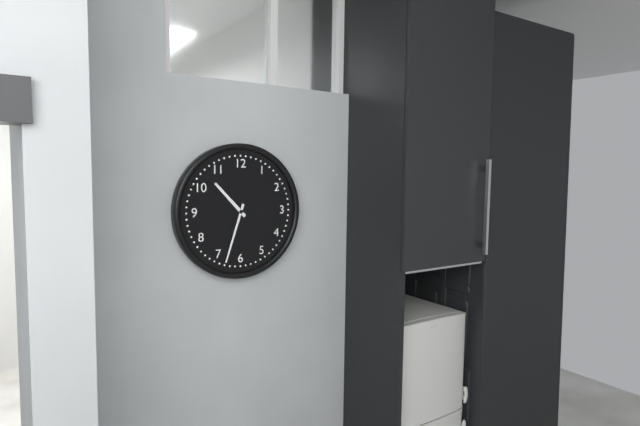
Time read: **10:33**
